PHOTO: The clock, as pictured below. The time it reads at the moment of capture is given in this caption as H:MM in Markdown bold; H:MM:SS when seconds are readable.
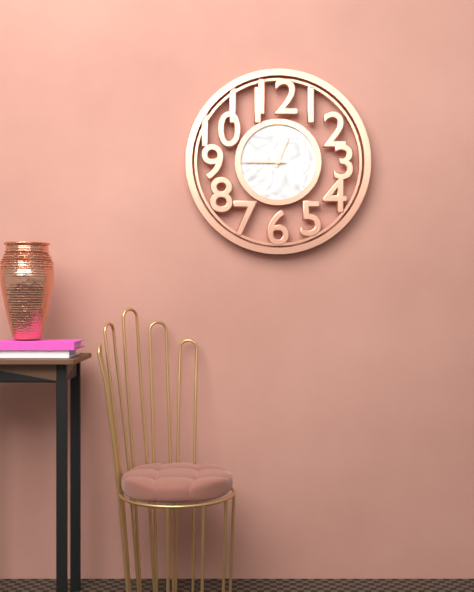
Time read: **12:45**
